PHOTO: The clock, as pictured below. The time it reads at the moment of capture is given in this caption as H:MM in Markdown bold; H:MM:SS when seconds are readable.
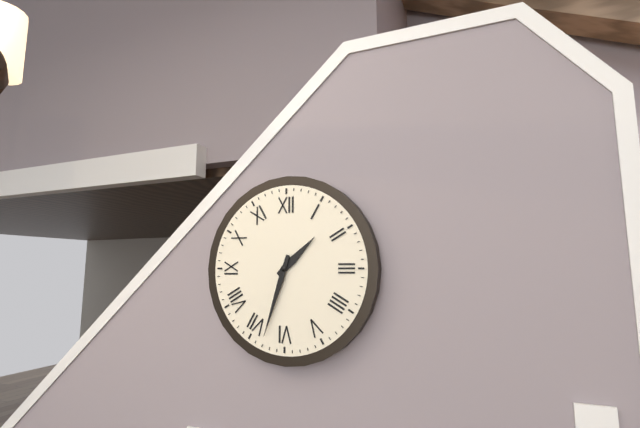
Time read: **1:33**
